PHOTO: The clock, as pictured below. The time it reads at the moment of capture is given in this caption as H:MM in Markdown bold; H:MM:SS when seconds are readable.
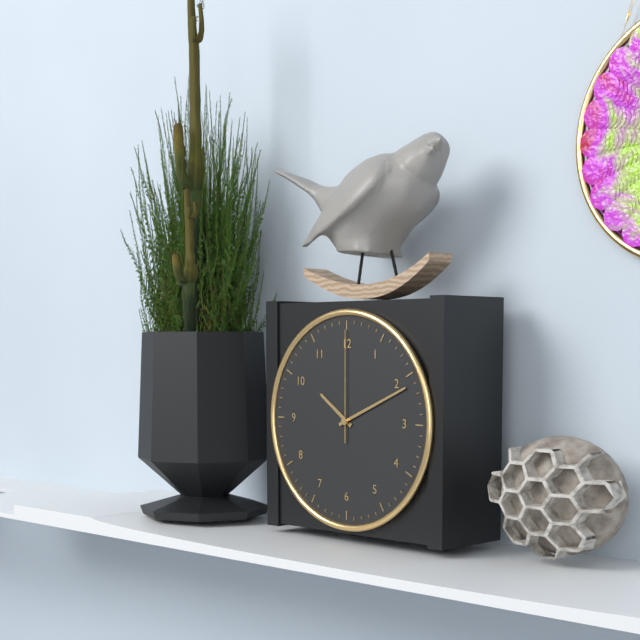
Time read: **10:11:00**
